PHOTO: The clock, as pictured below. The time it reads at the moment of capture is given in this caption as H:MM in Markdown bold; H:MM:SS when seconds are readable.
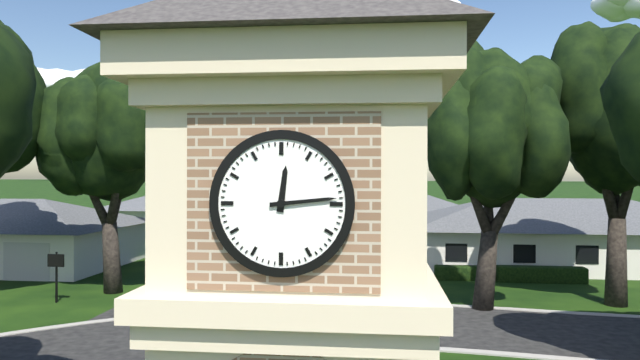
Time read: **12:14**
